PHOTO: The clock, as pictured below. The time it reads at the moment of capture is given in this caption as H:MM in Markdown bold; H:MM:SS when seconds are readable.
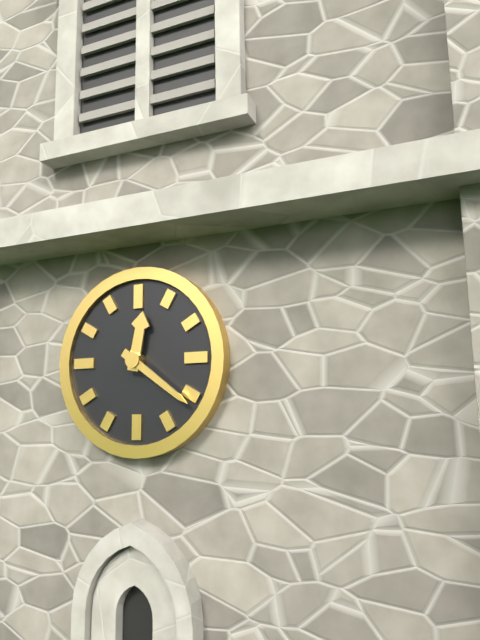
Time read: **12:21**
